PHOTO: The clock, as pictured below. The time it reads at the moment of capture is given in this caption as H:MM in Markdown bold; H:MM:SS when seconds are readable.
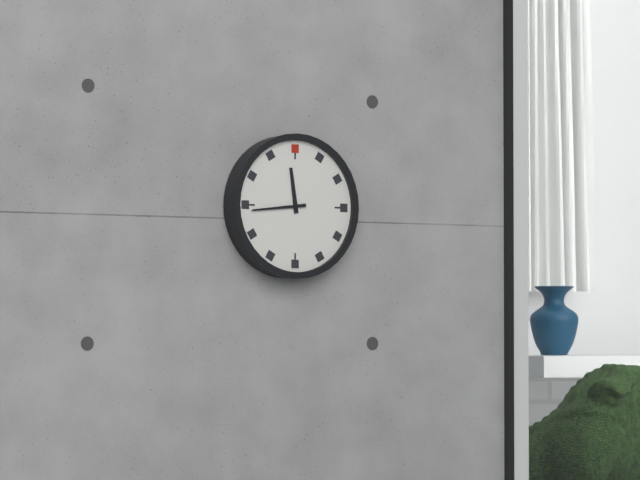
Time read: **11:44**
